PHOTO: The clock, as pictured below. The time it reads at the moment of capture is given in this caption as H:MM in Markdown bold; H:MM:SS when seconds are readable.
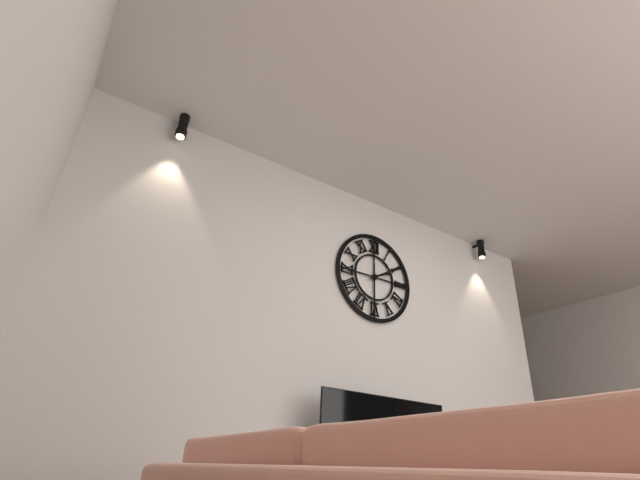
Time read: **2:10**
